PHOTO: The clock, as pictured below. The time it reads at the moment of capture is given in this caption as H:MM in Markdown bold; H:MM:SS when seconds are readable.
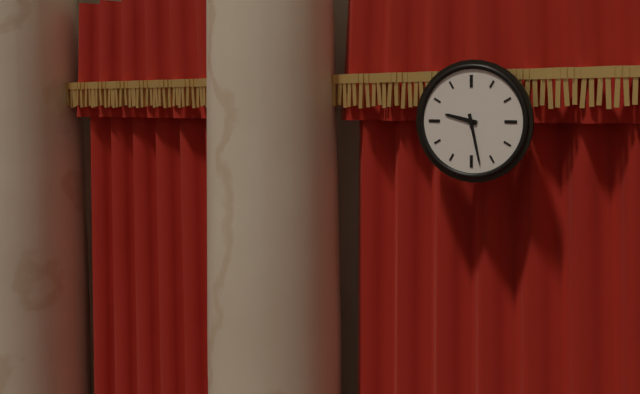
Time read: **9:28**
